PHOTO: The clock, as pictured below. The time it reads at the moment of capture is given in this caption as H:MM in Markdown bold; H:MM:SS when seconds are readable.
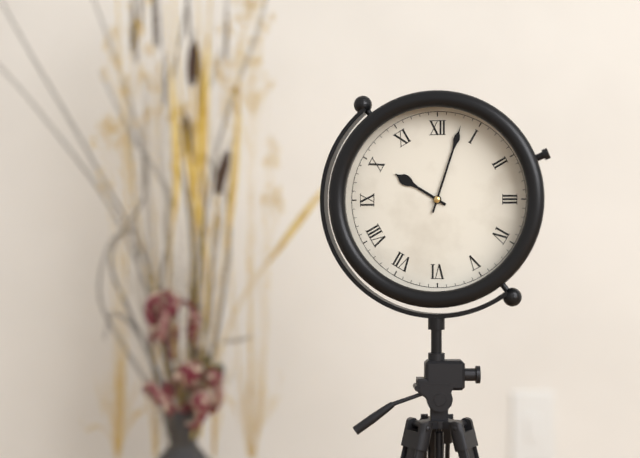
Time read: **10:03**
